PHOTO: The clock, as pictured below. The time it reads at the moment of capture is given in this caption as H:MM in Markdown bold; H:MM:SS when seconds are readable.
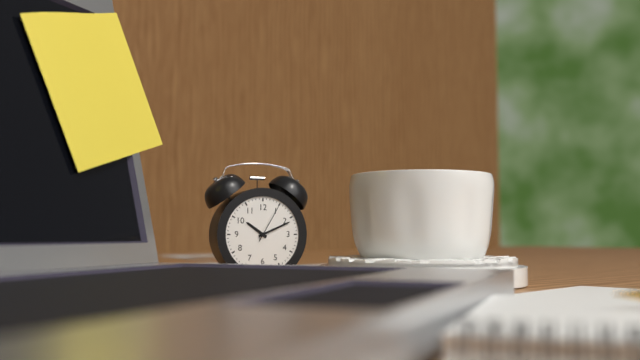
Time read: **10:11**
